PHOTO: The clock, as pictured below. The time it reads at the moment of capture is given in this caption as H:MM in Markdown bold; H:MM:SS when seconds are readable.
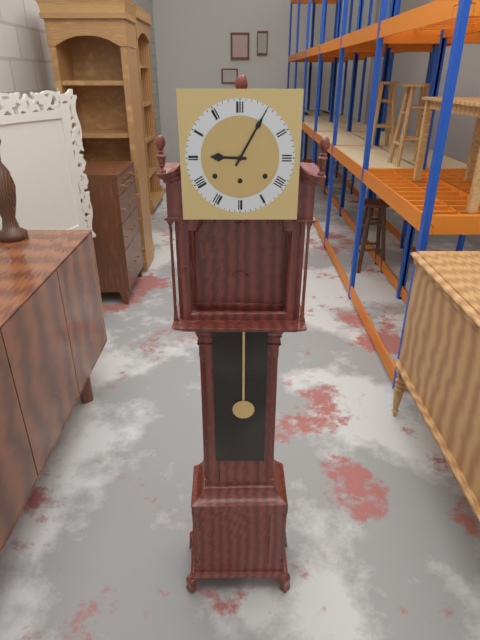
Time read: **9:05**
